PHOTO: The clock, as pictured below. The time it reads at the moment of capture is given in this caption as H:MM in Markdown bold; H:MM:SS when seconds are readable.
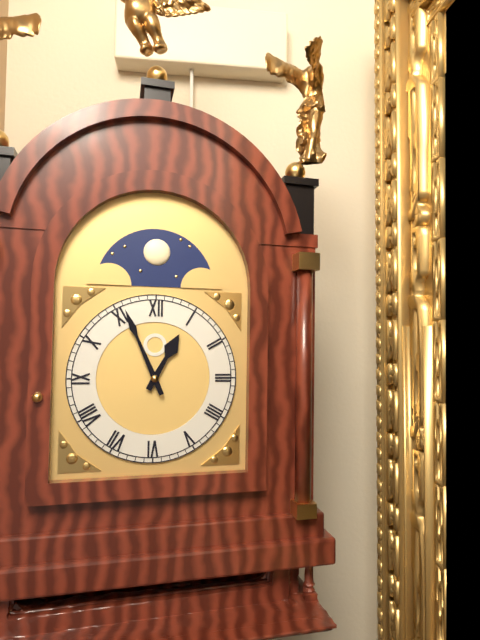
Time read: **12:56**
